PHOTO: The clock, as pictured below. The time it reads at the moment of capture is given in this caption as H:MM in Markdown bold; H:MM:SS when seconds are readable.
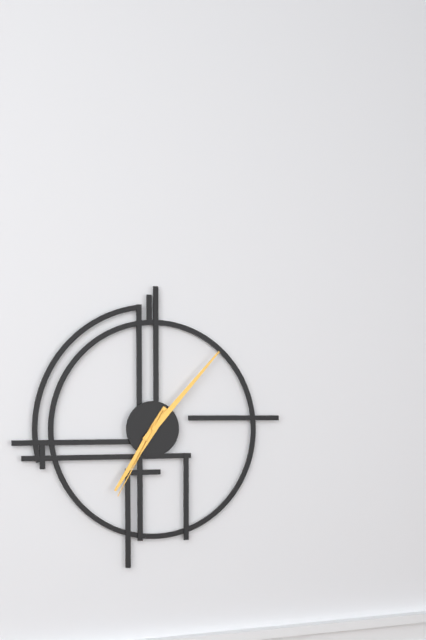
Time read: **7:07:35**
